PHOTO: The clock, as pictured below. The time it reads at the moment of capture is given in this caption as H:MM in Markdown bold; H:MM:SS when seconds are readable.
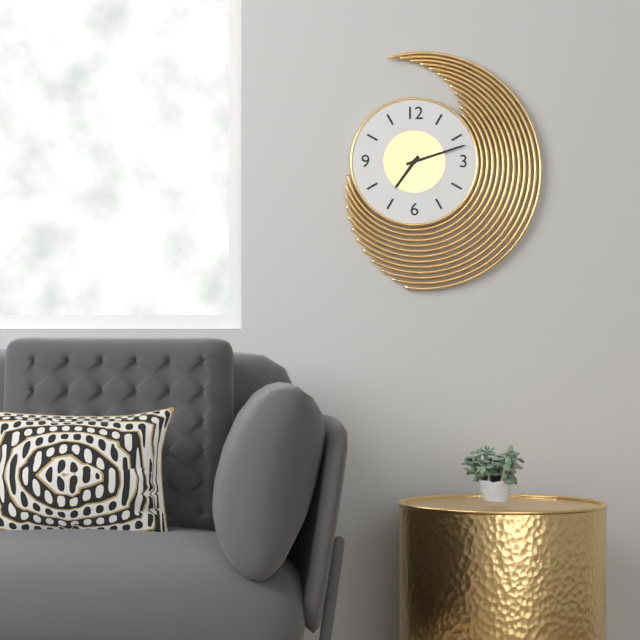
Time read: **7:12**
